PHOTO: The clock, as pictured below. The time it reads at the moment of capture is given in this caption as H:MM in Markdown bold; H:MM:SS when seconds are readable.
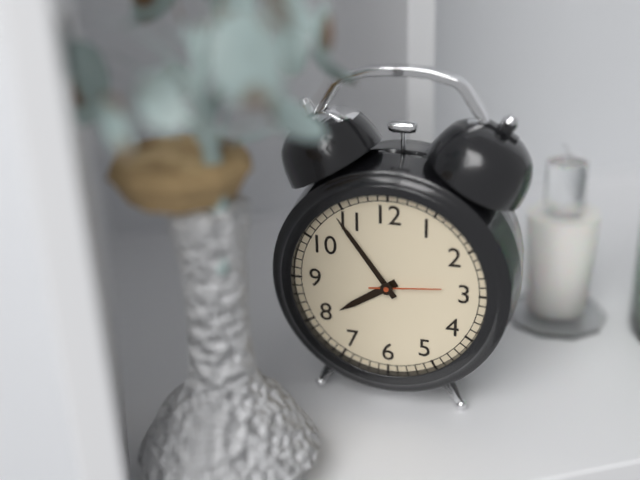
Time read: **7:54:14**
